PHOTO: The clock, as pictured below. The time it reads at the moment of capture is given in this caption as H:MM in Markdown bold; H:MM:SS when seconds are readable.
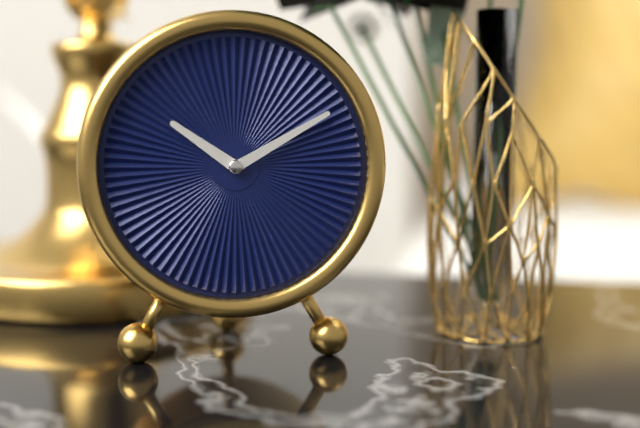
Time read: **10:10**
